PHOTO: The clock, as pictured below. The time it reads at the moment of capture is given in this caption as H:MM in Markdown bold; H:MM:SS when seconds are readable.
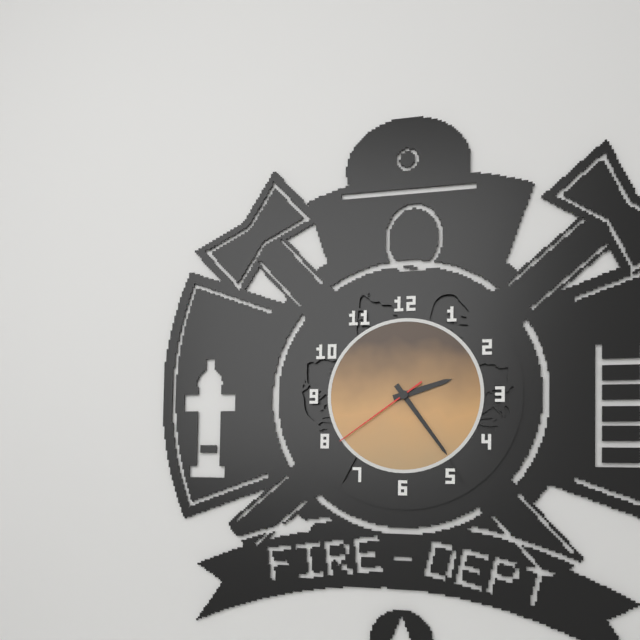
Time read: **2:24:39**
